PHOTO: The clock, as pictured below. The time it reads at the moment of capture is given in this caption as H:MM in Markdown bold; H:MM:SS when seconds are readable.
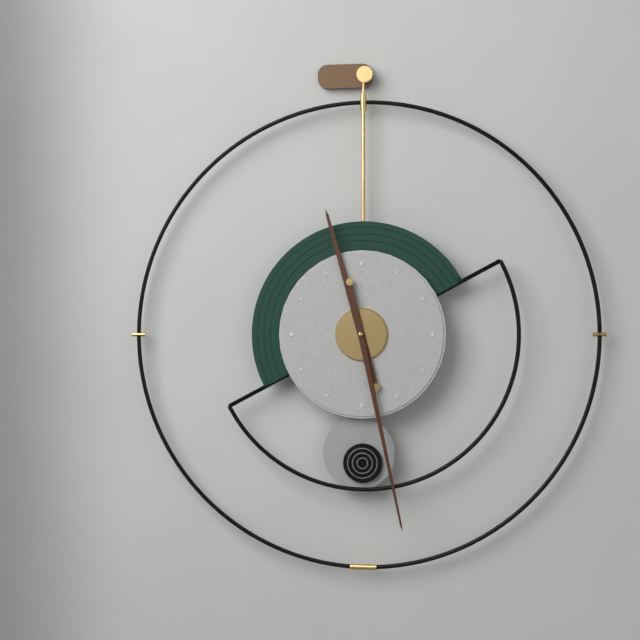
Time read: **11:28**
